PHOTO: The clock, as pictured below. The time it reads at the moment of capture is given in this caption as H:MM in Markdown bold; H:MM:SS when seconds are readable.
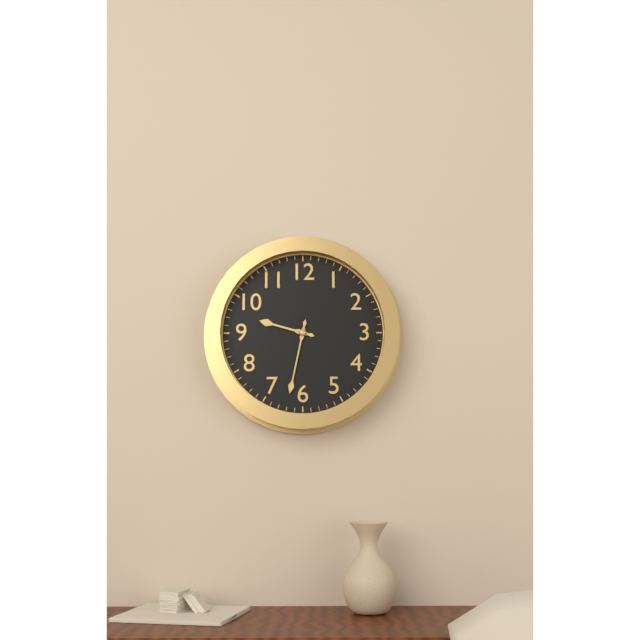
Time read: **9:32**
